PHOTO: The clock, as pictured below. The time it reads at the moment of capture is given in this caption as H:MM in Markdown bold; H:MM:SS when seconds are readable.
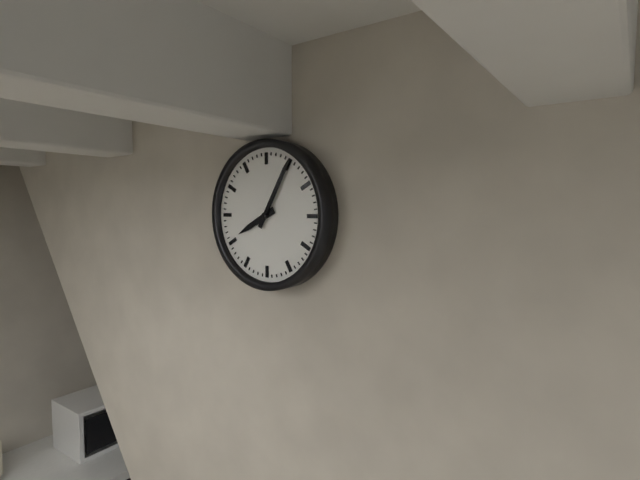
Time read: **8:05**
